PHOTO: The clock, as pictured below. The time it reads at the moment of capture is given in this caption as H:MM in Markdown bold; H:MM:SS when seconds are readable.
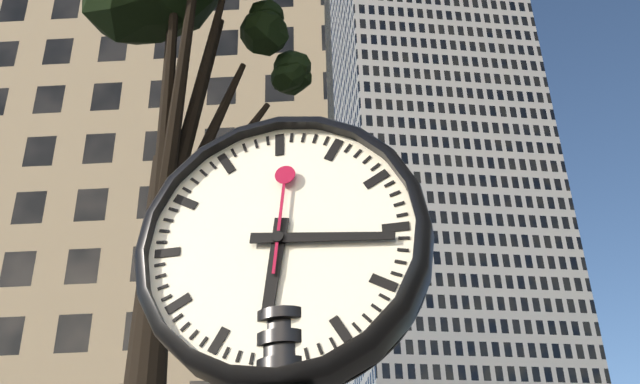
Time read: **6:16:01**
